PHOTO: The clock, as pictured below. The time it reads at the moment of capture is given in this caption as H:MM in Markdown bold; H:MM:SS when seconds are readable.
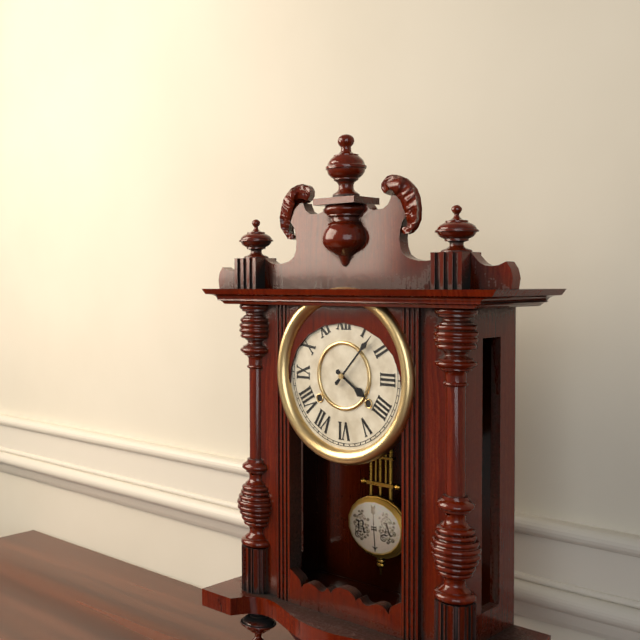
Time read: **4:07**
